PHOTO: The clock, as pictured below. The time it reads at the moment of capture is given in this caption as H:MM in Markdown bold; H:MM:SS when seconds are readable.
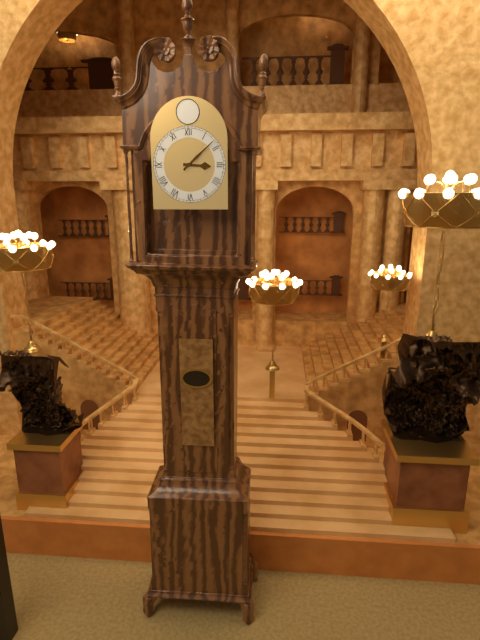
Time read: **3:08**
